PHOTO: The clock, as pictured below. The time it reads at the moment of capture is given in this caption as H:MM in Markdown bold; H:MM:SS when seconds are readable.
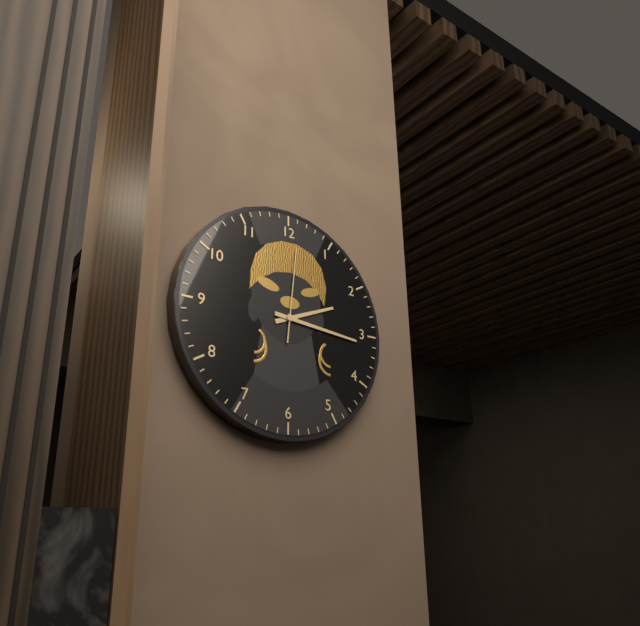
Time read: **2:16:01**
